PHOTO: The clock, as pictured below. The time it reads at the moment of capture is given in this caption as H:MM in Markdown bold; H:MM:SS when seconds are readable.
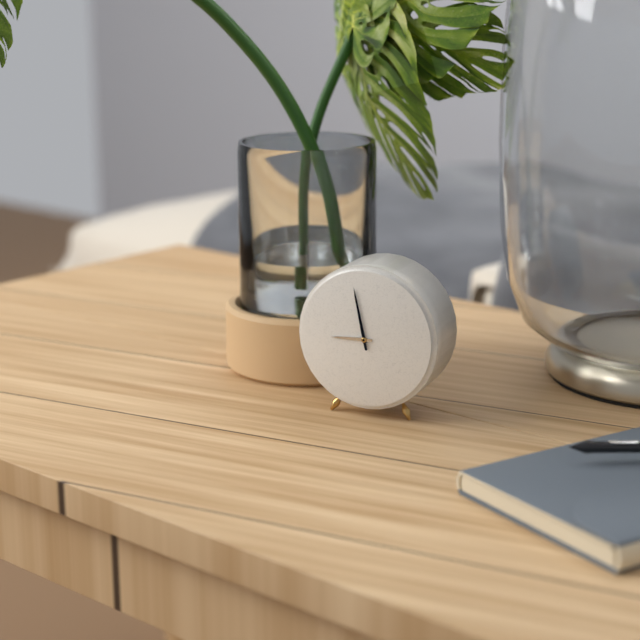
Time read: **8:58**
